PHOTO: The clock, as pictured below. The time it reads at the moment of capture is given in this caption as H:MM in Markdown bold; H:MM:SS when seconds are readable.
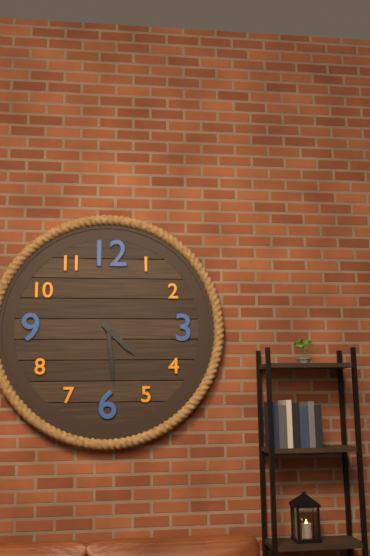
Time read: **4:29**
